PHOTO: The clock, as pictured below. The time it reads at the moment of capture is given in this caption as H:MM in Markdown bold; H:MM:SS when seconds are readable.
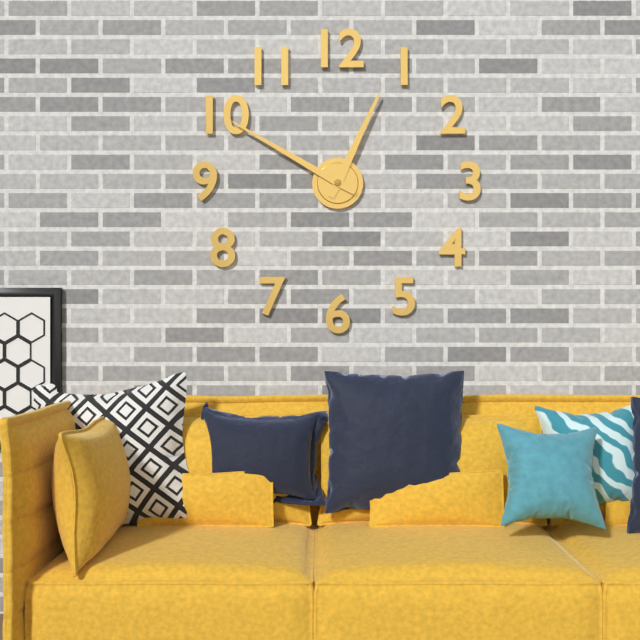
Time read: **12:50**
